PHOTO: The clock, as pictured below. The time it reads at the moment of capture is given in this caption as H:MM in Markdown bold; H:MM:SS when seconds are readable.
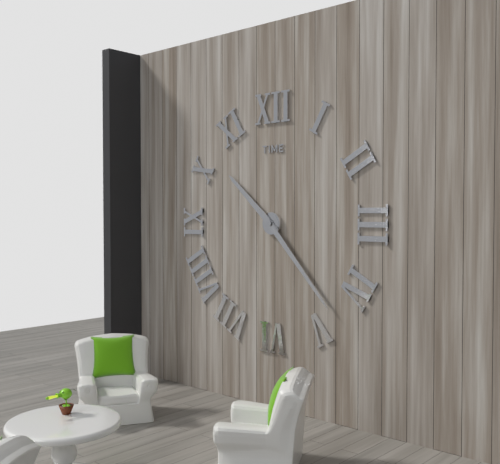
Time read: **10:23**
